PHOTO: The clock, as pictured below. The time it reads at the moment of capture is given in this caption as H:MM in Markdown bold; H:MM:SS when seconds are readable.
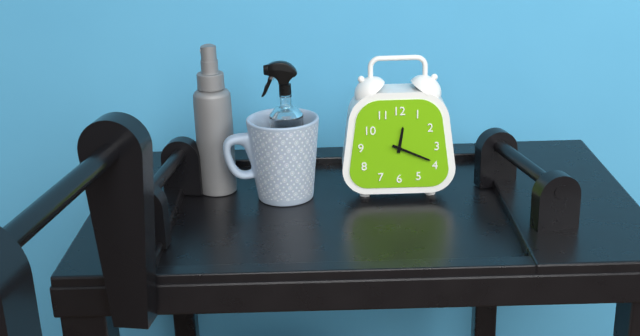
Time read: **12:19**
